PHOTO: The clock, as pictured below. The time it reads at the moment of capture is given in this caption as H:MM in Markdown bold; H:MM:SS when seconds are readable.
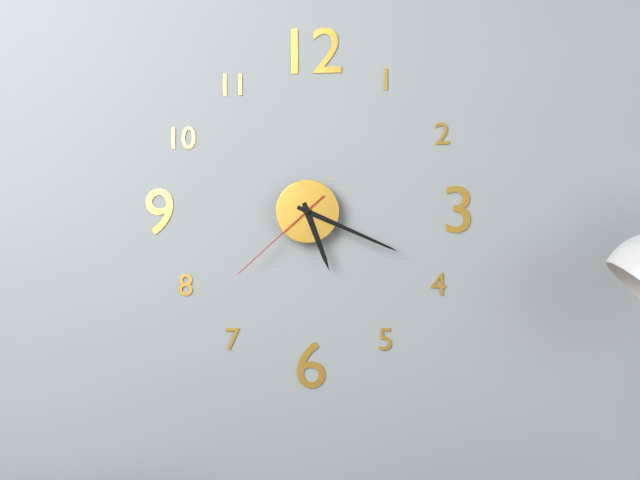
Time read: **5:19:38**
